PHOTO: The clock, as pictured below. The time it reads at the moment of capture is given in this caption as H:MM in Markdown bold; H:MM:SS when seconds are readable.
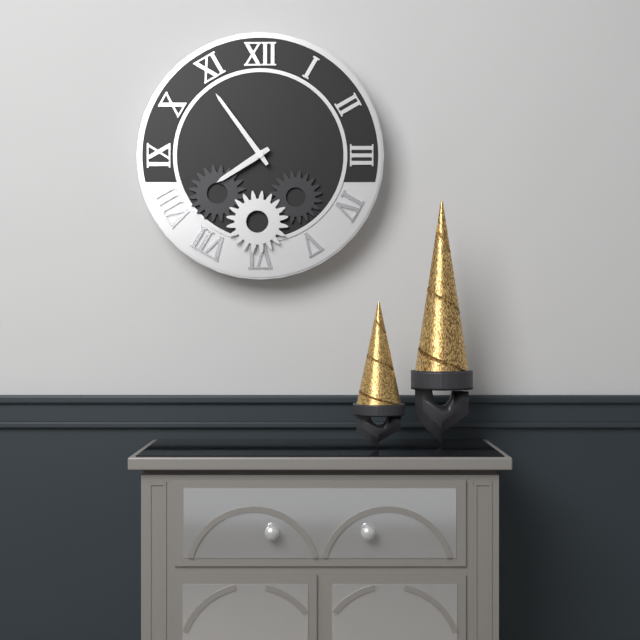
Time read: **7:54**
